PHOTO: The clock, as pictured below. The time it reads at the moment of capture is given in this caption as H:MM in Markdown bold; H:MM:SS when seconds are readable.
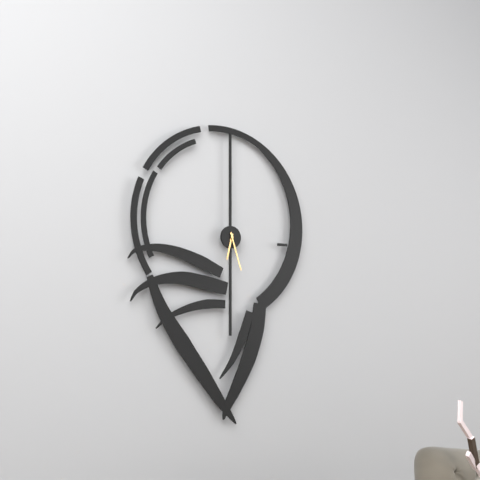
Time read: **6:27**
